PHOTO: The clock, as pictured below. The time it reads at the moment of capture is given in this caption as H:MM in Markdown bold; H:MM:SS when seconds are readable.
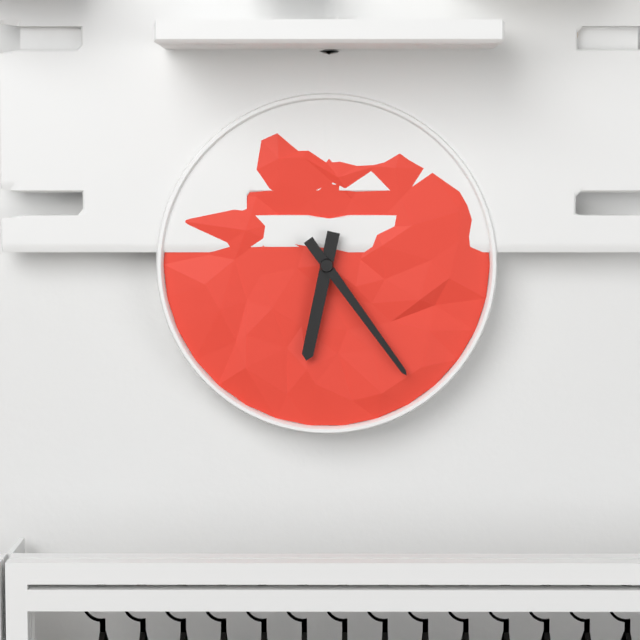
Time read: **6:24**
